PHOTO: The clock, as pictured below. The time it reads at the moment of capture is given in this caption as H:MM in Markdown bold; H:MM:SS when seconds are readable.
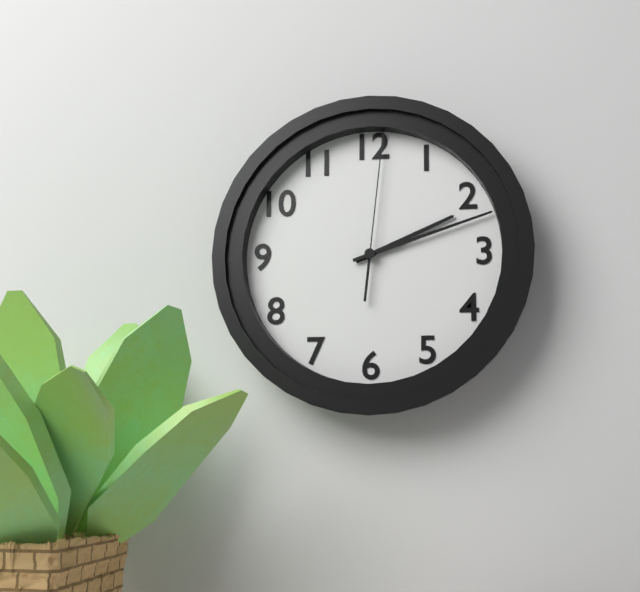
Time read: **2:12:01**
